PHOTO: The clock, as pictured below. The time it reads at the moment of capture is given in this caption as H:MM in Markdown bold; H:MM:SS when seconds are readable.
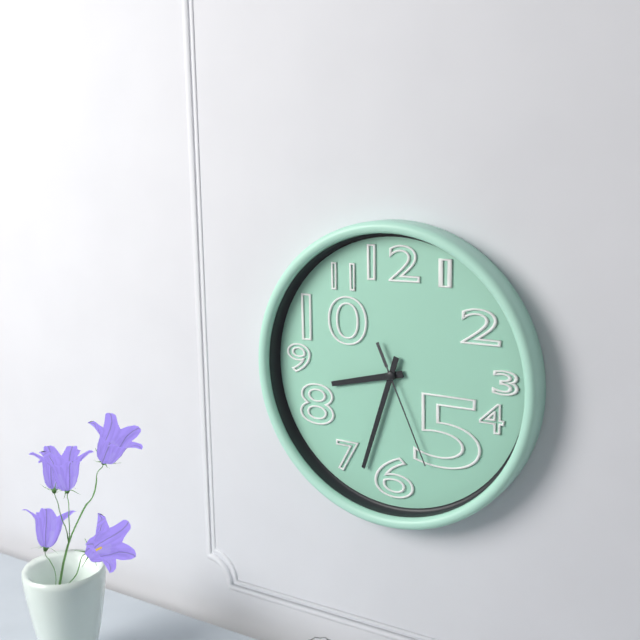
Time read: **8:33:26**
